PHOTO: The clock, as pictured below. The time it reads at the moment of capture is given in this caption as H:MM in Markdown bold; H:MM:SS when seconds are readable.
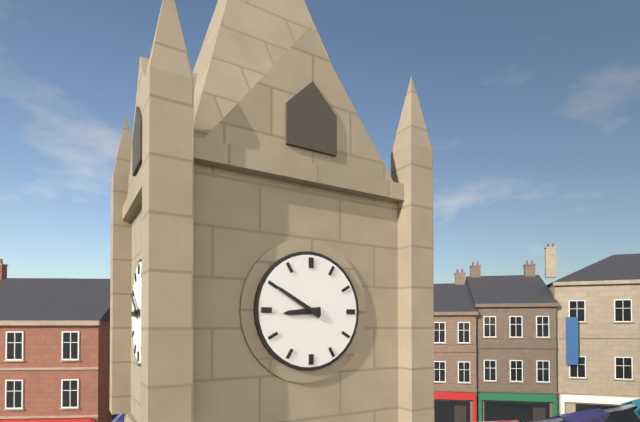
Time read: **8:50**
